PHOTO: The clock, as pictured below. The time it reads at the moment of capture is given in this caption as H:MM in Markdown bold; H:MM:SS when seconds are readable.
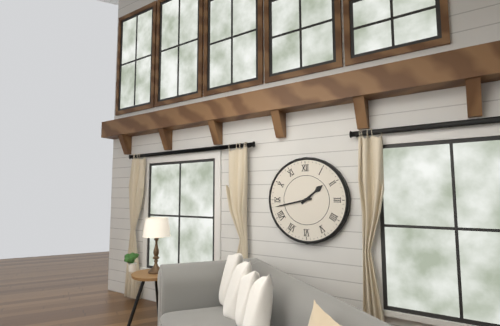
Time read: **1:43**
